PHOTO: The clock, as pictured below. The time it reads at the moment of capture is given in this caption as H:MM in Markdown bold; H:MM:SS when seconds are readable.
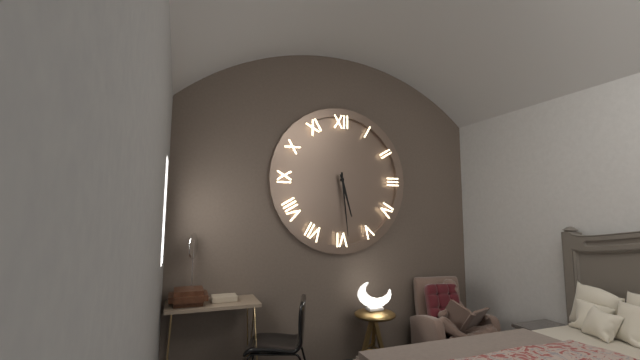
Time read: **5:29**
